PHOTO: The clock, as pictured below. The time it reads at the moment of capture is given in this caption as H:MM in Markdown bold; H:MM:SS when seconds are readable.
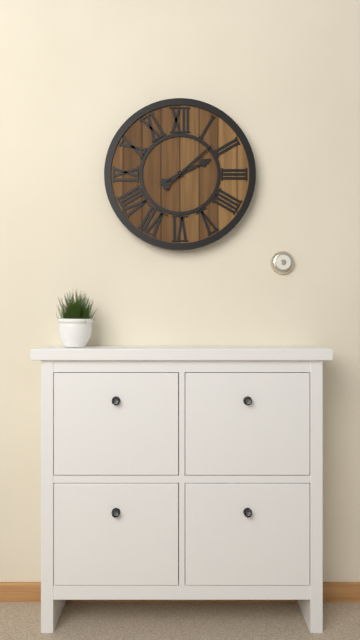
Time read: **2:08**
